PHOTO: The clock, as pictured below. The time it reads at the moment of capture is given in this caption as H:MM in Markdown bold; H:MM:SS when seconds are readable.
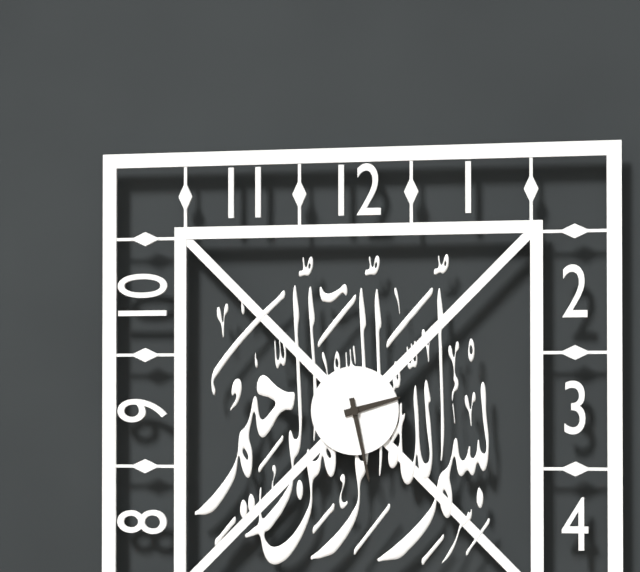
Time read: **2:28**
